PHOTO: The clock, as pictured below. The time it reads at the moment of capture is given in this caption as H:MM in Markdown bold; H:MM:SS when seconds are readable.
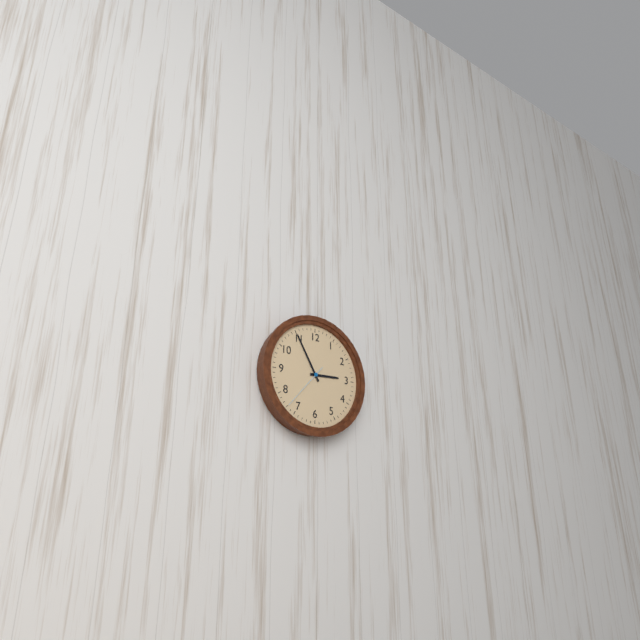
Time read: **2:55:37**
